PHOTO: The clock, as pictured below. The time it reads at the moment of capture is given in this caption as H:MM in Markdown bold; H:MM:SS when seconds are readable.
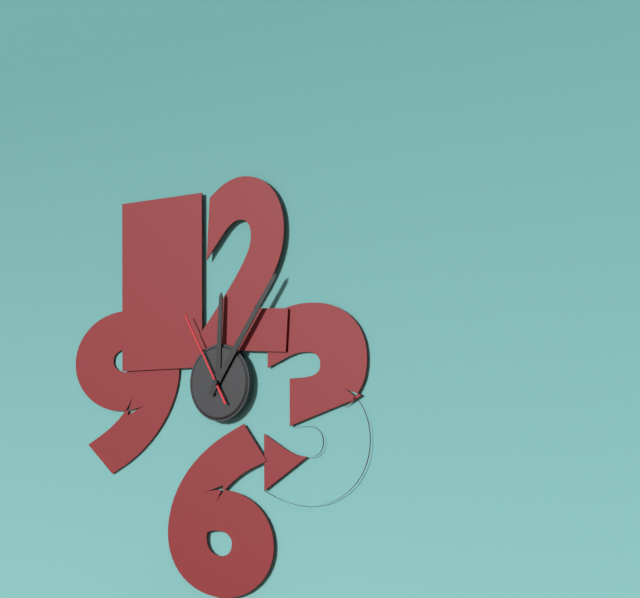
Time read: **12:06:55**
